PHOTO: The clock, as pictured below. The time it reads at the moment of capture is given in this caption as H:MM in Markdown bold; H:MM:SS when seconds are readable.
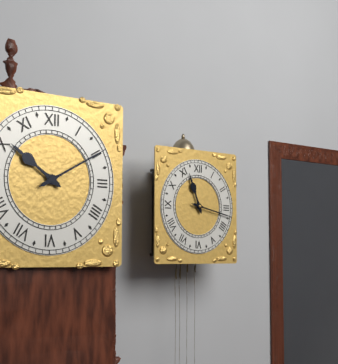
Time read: **11:17**
